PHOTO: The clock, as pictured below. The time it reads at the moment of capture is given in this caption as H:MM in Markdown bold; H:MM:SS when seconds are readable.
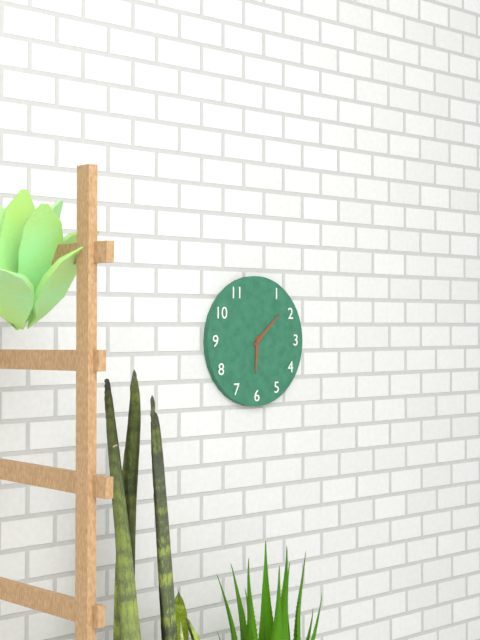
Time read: **6:08**
